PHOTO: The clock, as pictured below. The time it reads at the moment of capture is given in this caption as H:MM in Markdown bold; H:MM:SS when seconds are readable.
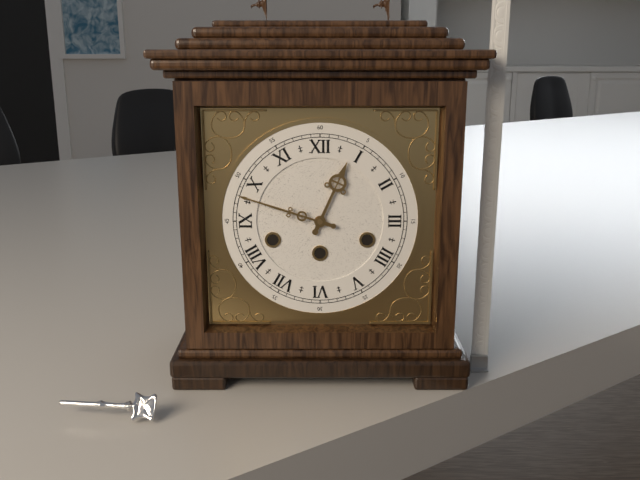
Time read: **12:48**
